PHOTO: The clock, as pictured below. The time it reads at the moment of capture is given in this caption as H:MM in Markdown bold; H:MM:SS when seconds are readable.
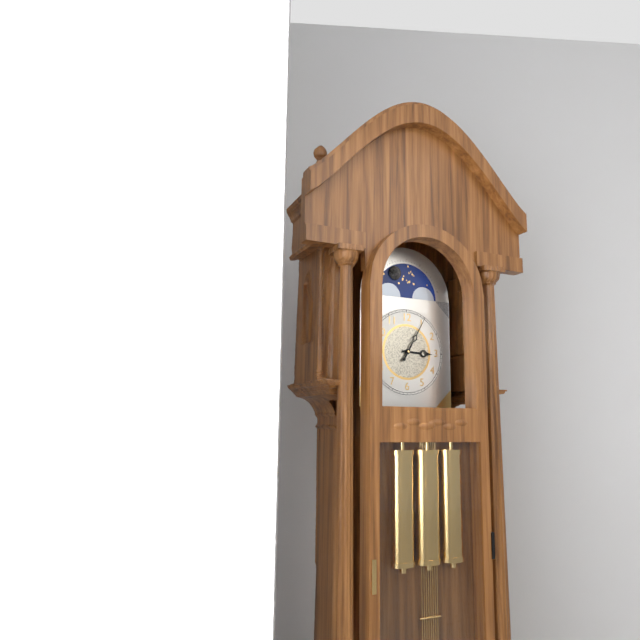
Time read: **3:05**
